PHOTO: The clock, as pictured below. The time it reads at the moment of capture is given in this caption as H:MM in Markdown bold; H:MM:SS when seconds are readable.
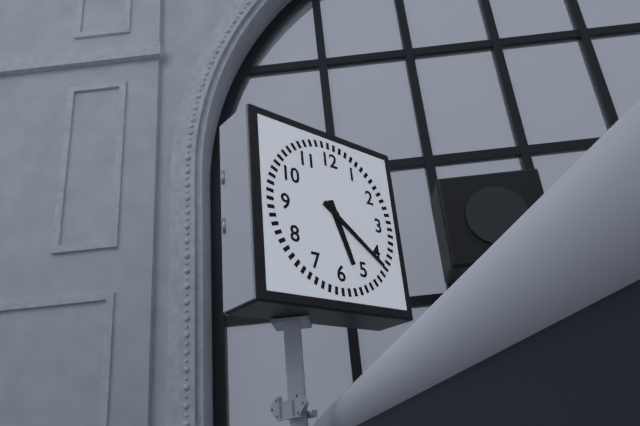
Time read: **5:21**
